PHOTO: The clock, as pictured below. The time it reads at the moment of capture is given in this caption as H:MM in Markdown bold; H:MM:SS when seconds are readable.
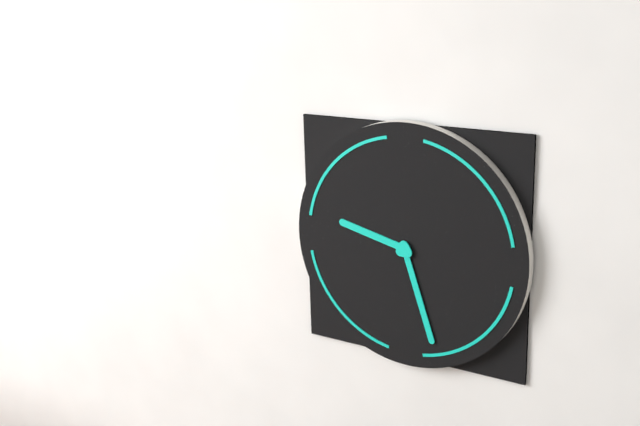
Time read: **9:27**
